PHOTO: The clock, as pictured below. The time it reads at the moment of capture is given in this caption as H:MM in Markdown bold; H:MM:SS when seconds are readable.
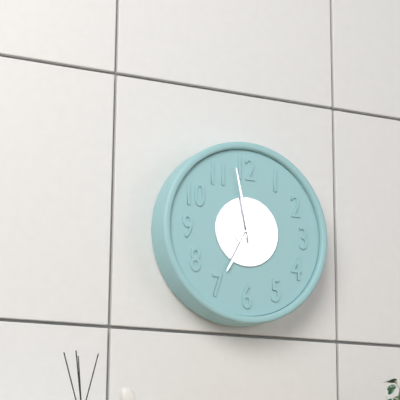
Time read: **6:58**
